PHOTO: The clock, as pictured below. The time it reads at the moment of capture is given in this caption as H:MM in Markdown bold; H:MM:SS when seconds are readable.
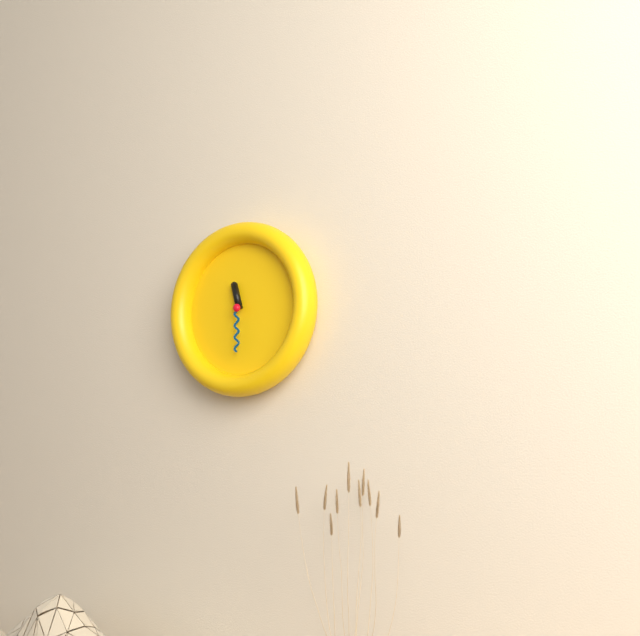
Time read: **11:30**
